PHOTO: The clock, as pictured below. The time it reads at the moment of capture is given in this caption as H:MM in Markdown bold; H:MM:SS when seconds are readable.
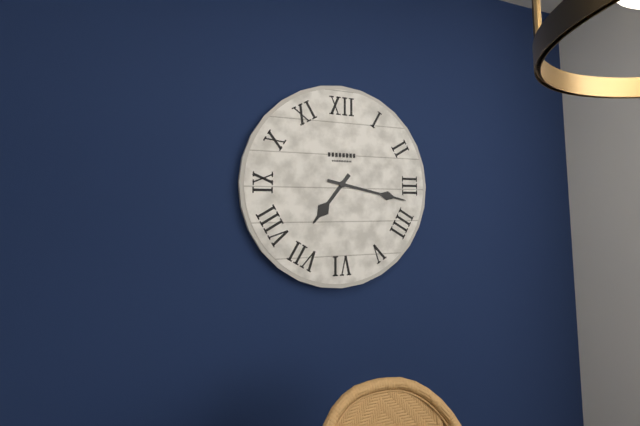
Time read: **7:17**
